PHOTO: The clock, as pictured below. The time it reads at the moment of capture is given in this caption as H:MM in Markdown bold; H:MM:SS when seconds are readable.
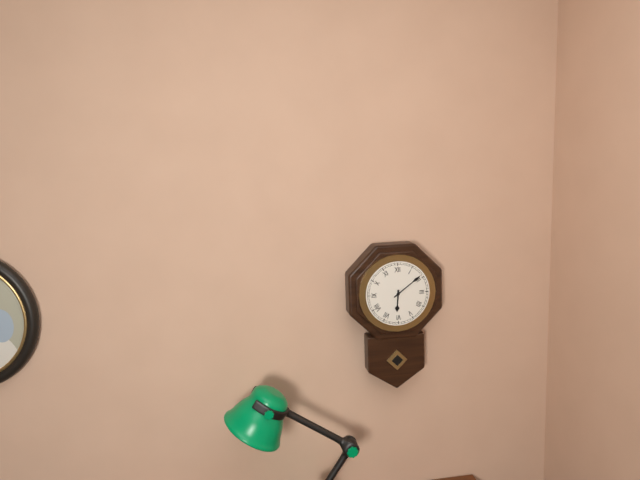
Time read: **6:09**
